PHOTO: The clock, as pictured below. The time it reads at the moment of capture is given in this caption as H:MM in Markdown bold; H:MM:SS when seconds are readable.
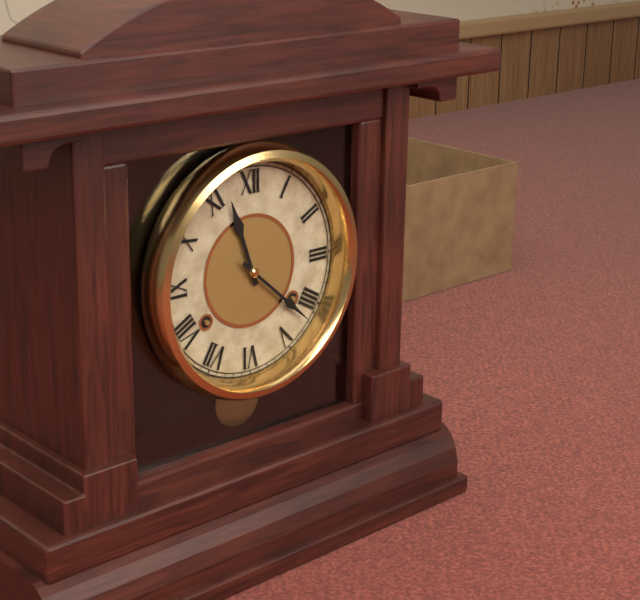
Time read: **11:22**
